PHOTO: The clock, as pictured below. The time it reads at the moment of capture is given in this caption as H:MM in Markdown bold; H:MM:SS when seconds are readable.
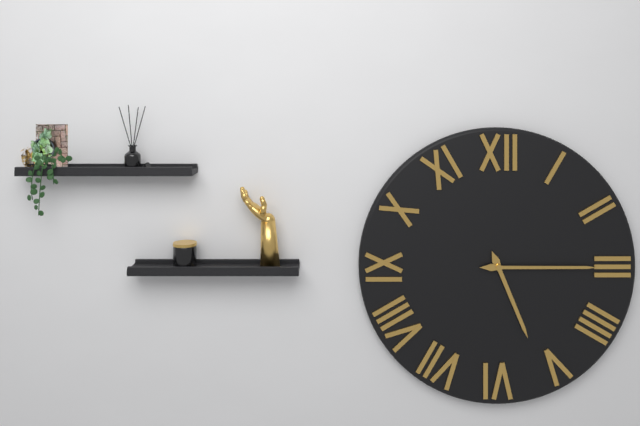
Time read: **5:15**
